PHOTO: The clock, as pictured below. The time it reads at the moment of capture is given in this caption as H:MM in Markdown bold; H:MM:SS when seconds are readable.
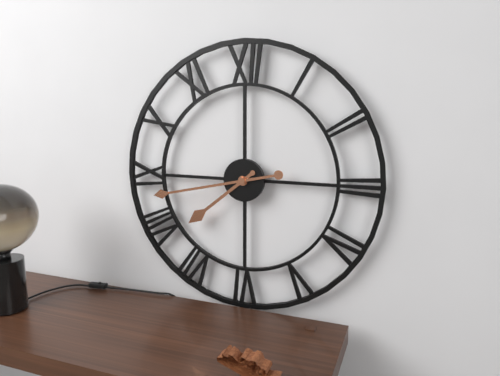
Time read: **7:43**
